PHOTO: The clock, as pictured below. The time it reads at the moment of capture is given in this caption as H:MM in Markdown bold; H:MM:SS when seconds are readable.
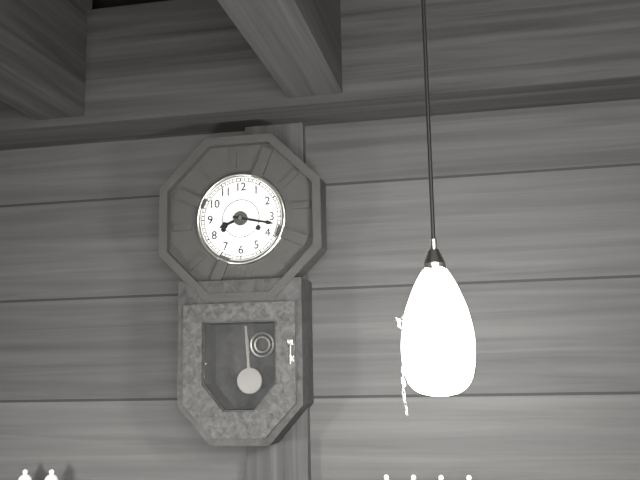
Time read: **8:17**
